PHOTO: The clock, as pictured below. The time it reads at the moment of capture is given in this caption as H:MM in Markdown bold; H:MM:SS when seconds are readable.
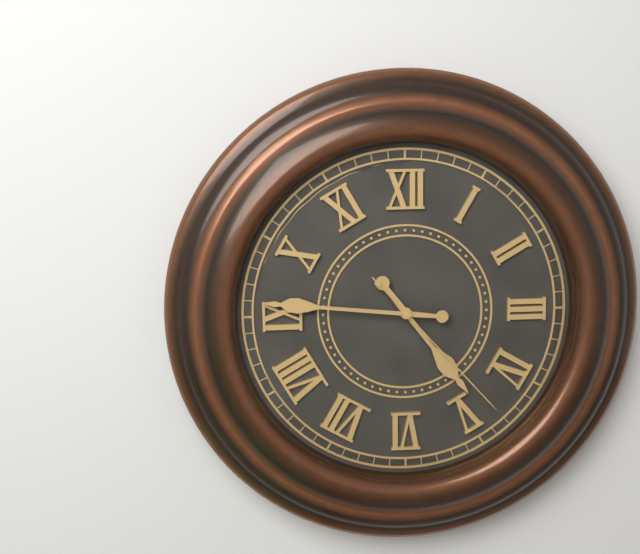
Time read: **4:46:23**
